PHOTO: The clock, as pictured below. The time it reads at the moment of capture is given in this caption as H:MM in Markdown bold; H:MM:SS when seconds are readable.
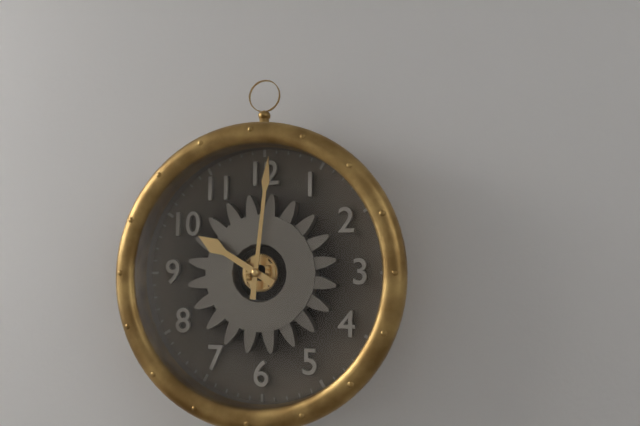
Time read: **10:01**
